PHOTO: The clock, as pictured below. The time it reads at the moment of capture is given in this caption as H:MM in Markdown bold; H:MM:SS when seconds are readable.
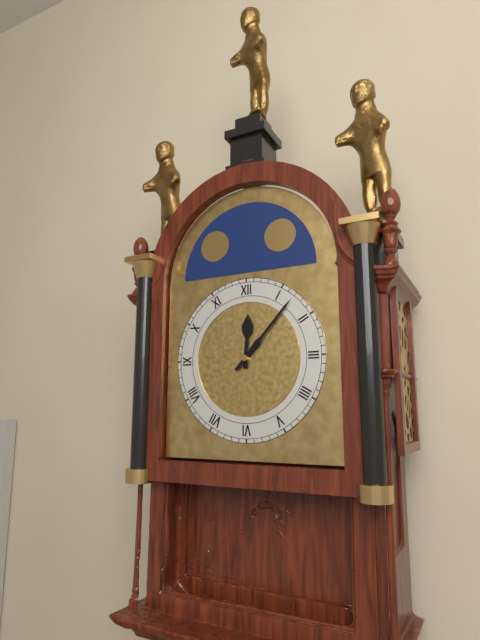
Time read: **12:07**
